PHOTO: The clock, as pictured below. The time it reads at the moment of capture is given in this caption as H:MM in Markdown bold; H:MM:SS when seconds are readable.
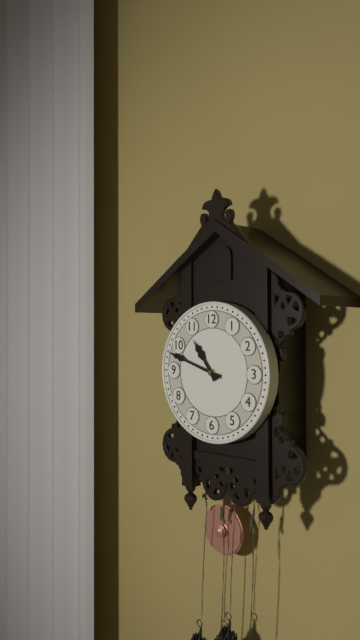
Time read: **10:48**
